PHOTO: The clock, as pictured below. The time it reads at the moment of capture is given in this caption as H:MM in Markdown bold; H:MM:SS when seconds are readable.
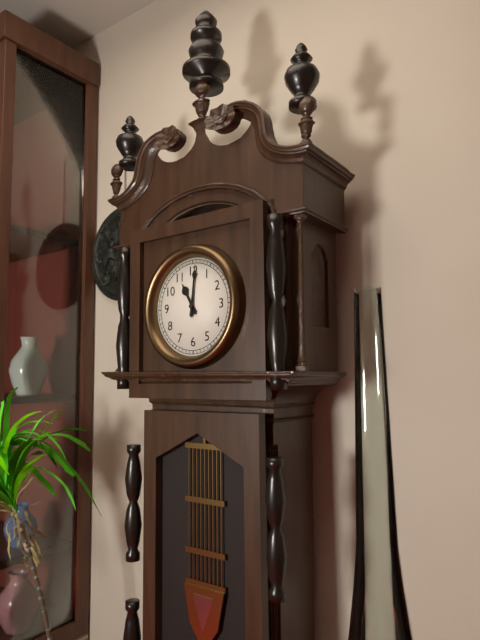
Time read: **11:01**
